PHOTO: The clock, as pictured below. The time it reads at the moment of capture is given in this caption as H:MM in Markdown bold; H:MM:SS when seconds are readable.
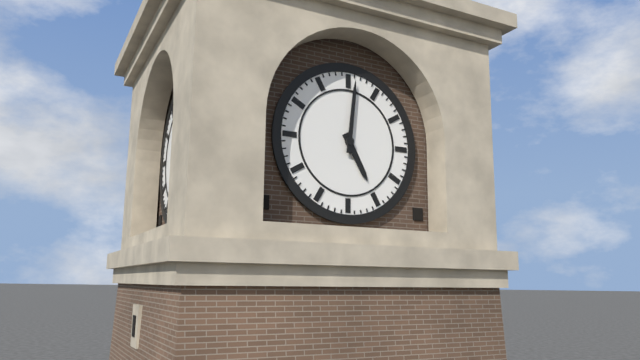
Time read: **5:01**
